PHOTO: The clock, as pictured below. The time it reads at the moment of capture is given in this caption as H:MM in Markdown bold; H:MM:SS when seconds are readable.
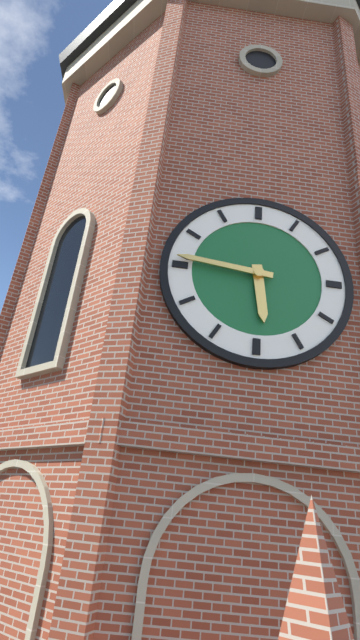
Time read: **5:46**
